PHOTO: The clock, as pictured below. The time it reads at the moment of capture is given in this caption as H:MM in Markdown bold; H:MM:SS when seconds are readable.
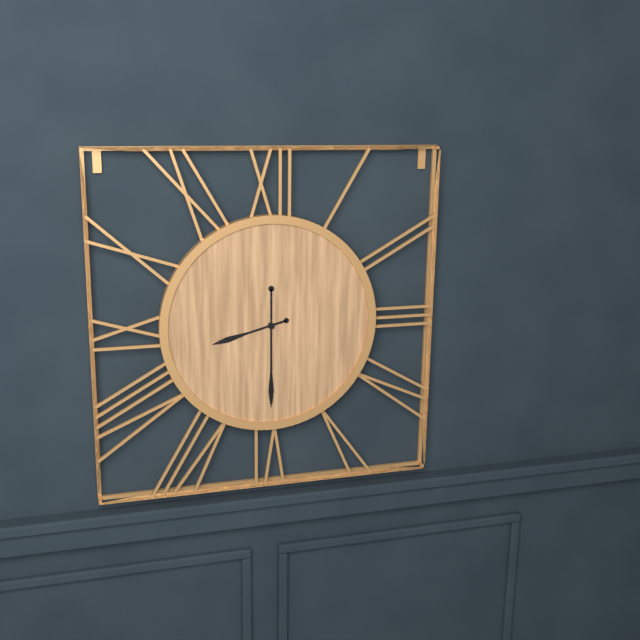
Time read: **8:30**
